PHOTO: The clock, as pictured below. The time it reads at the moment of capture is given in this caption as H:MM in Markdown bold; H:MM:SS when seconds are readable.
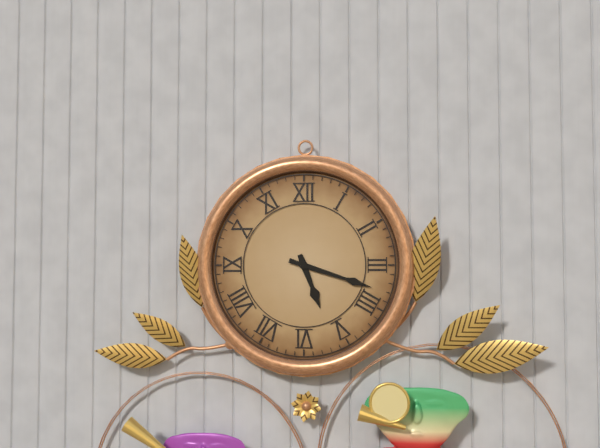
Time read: **5:18**
